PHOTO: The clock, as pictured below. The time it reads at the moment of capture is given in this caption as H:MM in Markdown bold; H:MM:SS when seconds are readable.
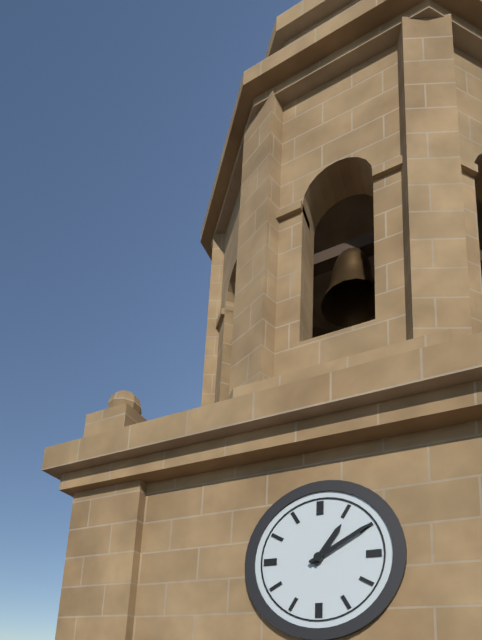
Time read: **1:10**
